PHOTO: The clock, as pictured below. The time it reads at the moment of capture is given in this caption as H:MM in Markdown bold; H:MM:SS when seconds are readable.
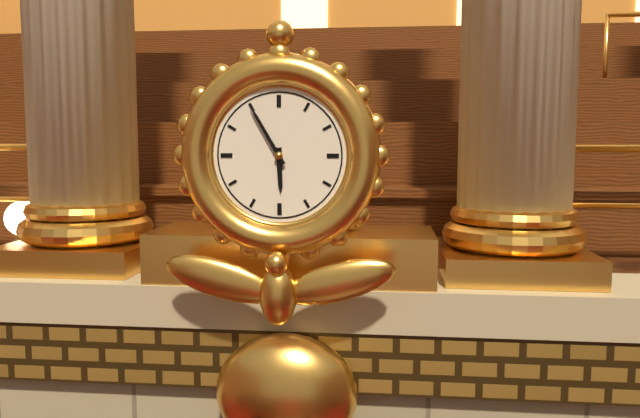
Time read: **5:55**
